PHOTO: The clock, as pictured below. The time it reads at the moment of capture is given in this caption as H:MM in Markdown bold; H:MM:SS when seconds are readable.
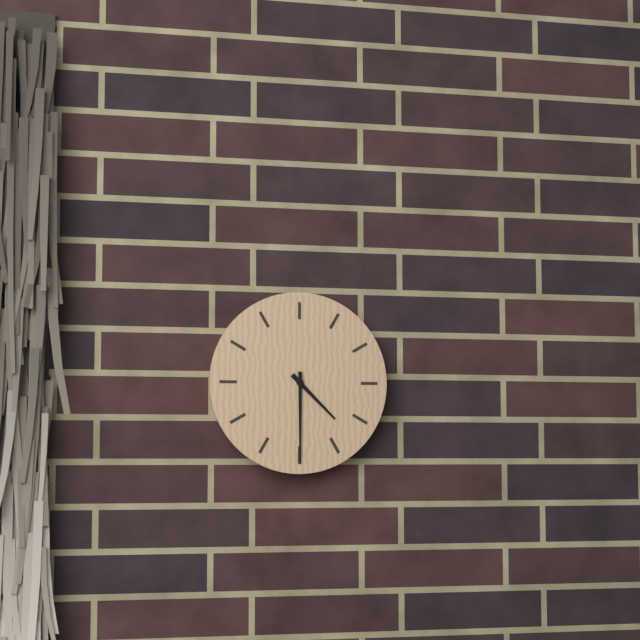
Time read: **4:30**
